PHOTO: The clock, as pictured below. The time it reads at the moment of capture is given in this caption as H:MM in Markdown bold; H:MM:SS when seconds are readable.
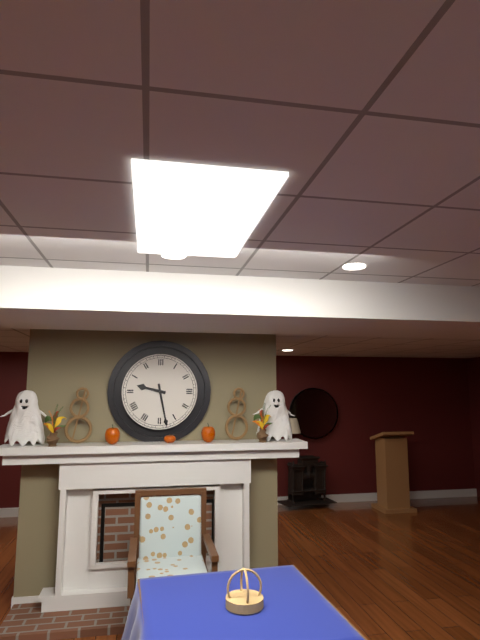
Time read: **9:28**
